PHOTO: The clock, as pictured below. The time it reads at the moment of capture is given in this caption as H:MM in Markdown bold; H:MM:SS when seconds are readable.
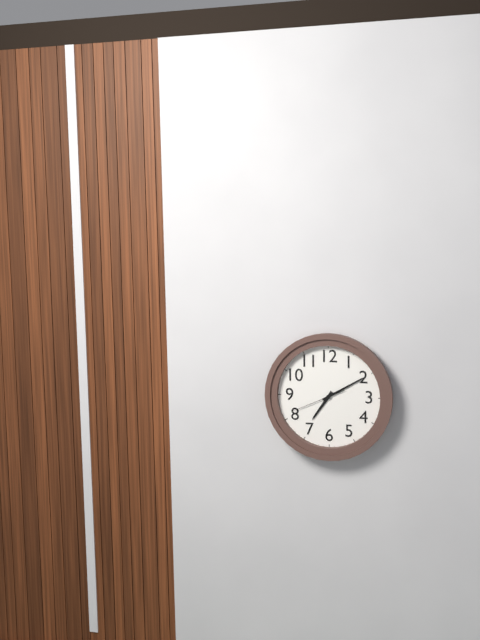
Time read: **7:10**
